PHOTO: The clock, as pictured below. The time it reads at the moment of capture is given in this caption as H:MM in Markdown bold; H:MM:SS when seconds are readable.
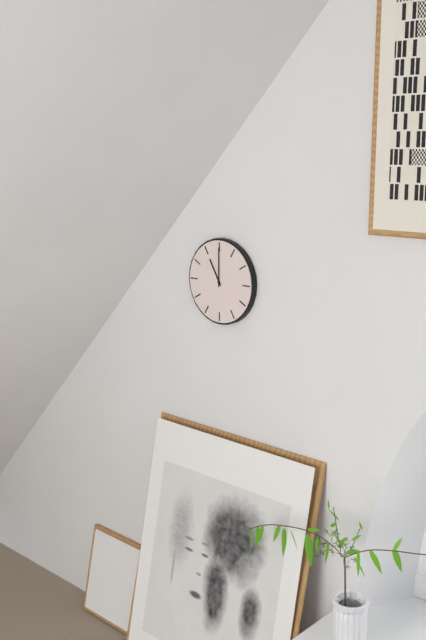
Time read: **11:00**
